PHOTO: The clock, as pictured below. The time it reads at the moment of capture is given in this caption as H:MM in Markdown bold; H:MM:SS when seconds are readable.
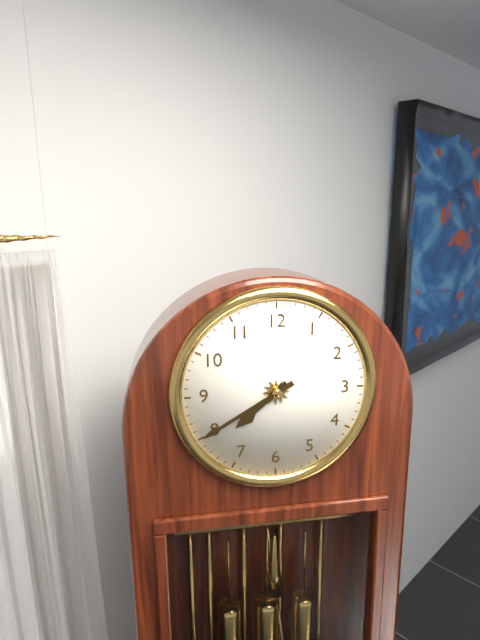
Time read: **7:40**
